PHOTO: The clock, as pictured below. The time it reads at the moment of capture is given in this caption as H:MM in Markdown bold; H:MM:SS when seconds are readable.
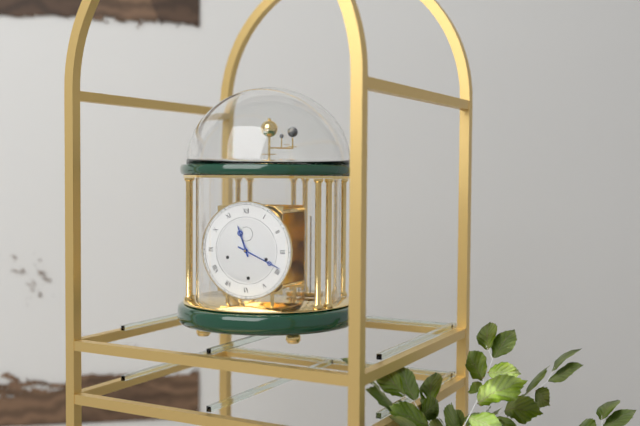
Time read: **11:19**
